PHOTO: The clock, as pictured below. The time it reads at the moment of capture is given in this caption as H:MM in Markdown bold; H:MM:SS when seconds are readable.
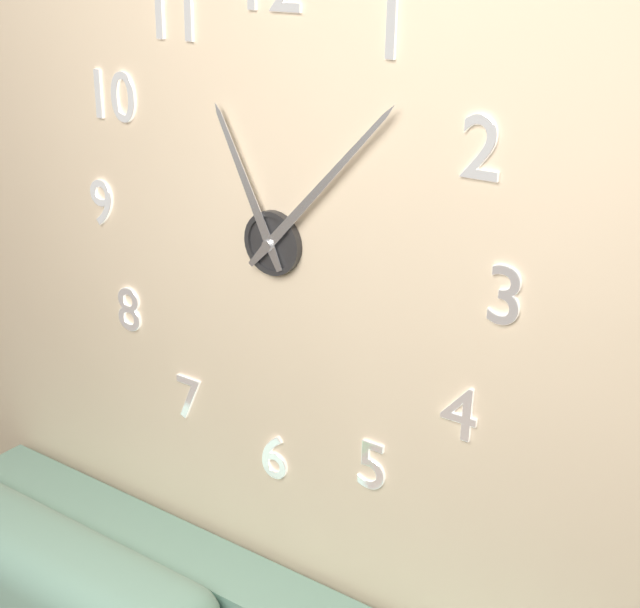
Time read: **11:07**
